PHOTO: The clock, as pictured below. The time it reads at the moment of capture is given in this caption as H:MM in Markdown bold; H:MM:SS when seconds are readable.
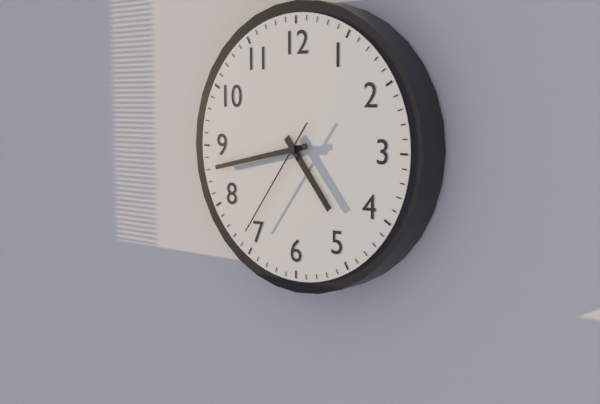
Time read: **4:43:36**
